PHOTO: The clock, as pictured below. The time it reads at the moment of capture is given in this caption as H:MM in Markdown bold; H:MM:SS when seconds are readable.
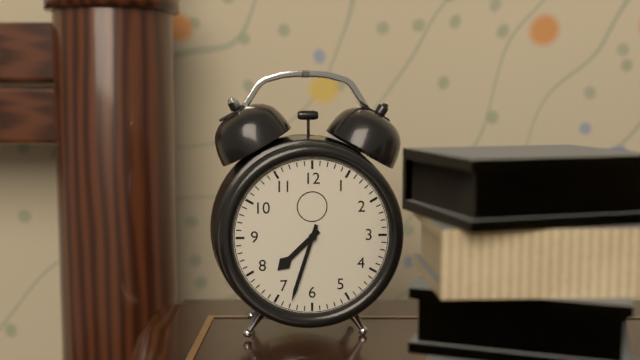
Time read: **7:33**
